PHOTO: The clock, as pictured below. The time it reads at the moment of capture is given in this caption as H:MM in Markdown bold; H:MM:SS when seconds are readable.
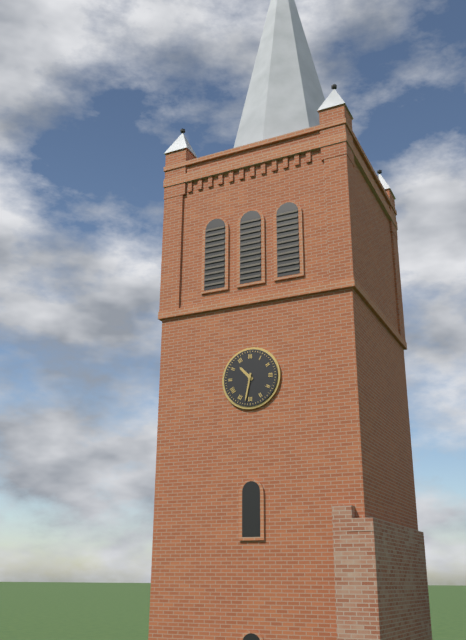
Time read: **10:32**
